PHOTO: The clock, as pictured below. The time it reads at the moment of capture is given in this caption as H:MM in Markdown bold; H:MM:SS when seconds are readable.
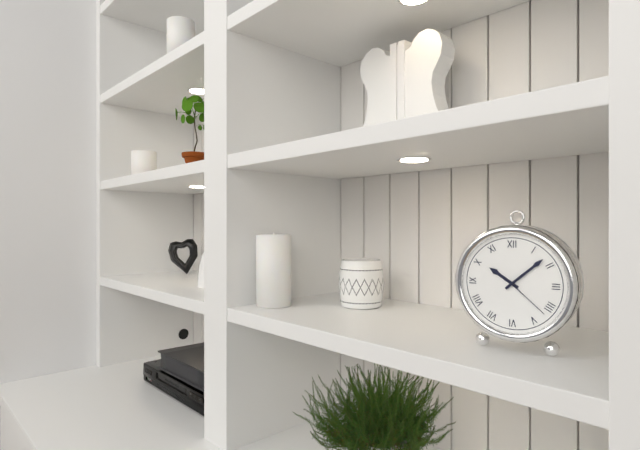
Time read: **10:08:22**
